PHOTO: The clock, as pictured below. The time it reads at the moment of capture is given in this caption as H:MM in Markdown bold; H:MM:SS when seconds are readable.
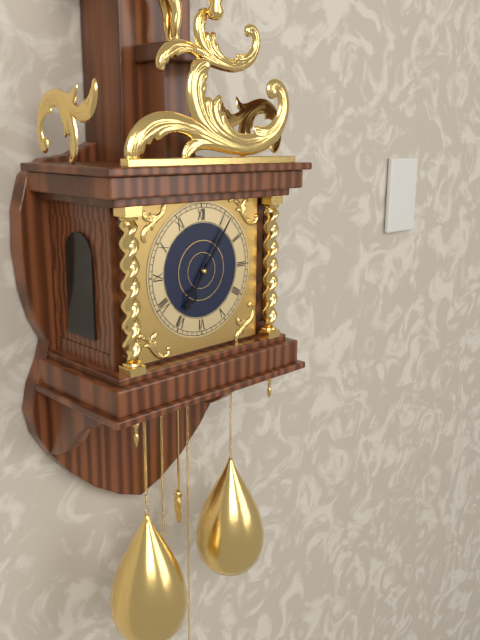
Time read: **7:06**
